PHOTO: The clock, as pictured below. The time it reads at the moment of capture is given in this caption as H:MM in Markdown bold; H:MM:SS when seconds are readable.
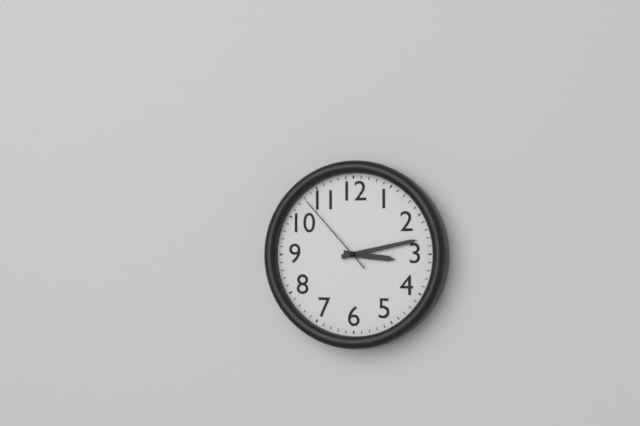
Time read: **3:13:53**
